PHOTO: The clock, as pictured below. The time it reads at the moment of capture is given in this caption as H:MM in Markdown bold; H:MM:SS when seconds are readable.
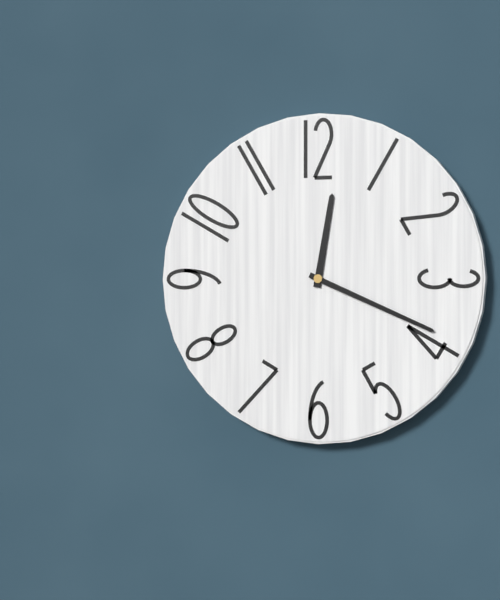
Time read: **12:19**
